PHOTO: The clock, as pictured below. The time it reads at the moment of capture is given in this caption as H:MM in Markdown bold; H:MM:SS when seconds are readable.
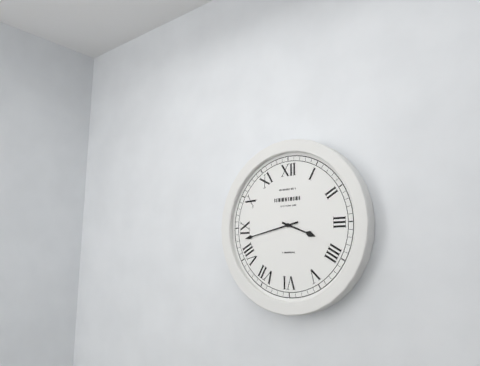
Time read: **3:43**
